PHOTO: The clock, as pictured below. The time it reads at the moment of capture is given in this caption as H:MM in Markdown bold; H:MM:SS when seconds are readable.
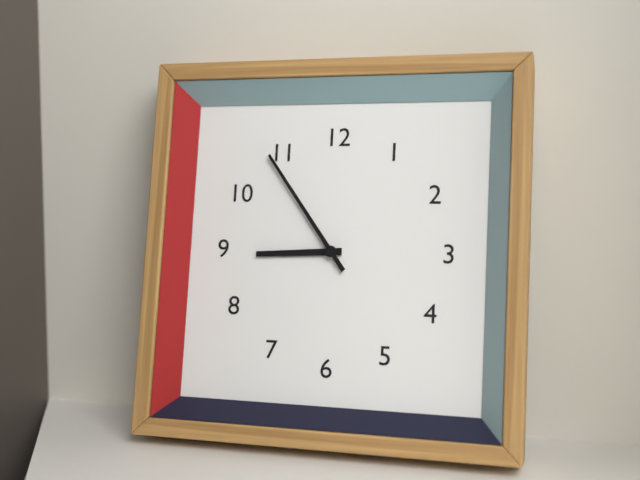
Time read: **8:54**
